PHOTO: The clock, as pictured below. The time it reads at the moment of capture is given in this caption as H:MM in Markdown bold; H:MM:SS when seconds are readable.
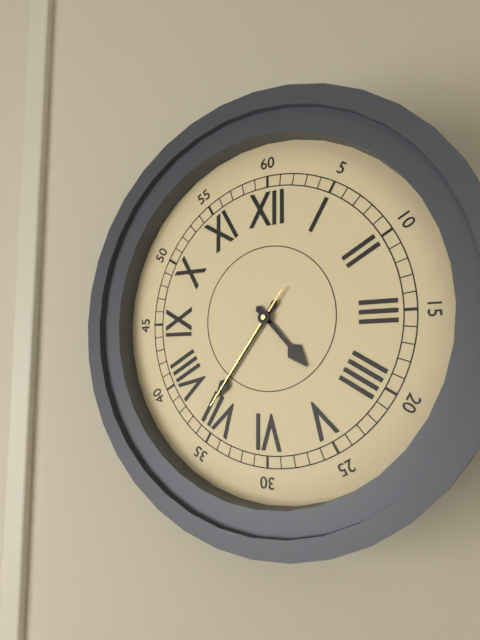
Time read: **4:36:36**
